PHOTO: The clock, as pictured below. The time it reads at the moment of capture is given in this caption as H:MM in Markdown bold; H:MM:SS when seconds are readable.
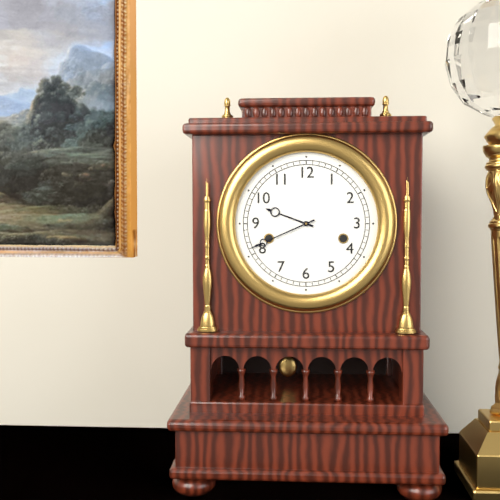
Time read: **9:41**
